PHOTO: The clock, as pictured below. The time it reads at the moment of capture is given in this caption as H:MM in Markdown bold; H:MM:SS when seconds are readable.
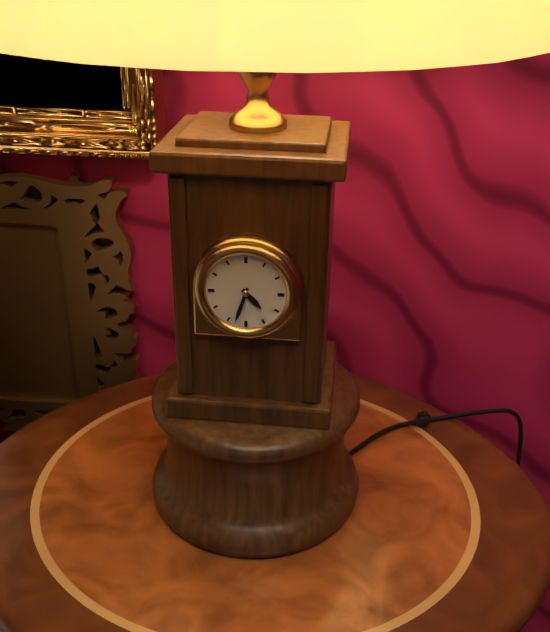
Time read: **4:33**
